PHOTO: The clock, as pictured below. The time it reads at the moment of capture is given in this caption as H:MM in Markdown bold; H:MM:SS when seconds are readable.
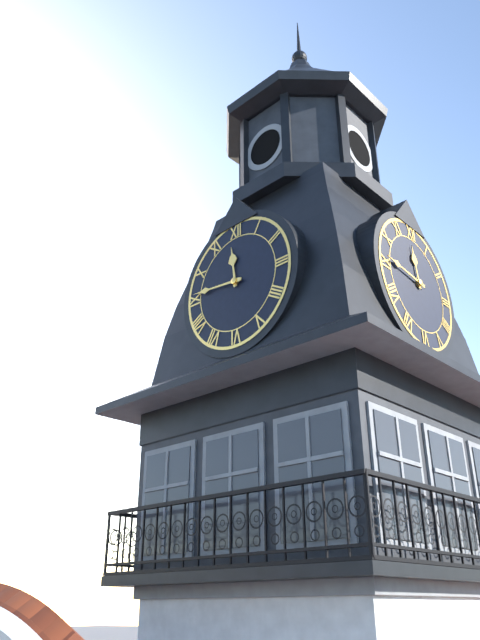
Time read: **11:46**
